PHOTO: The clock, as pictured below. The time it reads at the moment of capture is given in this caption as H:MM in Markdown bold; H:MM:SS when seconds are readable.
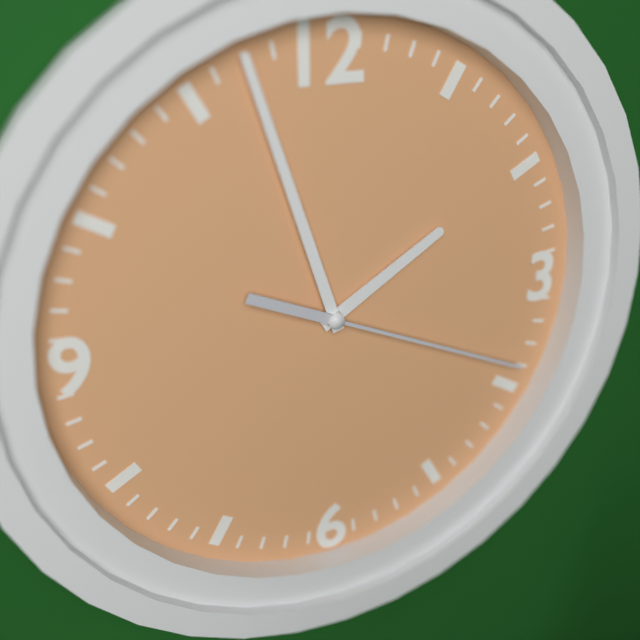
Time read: **1:57:19**
